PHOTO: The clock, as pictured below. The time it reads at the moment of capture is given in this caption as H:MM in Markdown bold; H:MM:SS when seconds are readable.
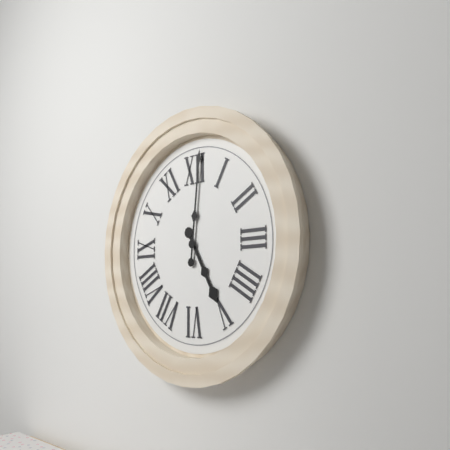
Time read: **5:01**
